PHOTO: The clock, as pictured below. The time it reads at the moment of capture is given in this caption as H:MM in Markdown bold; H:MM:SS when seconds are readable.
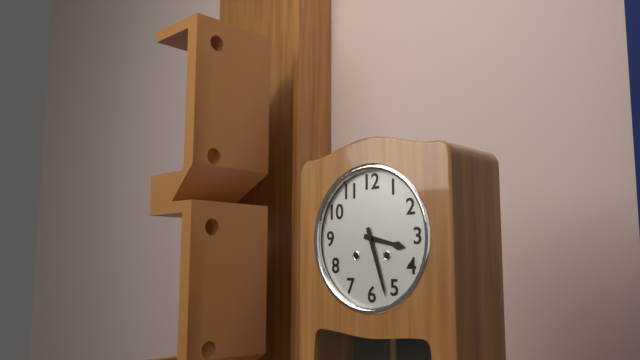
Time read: **3:27**
